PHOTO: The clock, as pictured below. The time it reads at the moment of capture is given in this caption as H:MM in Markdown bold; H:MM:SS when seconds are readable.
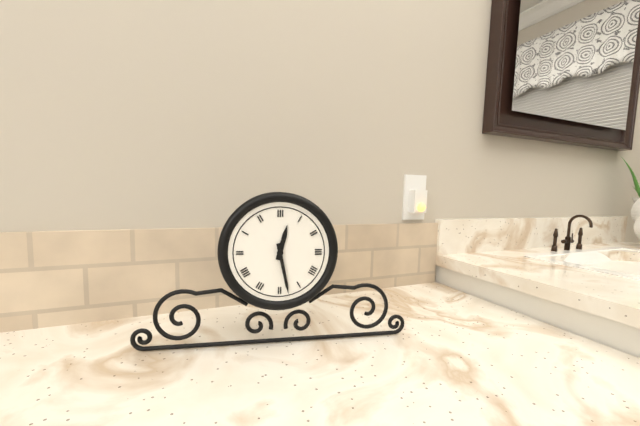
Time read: **12:28**
